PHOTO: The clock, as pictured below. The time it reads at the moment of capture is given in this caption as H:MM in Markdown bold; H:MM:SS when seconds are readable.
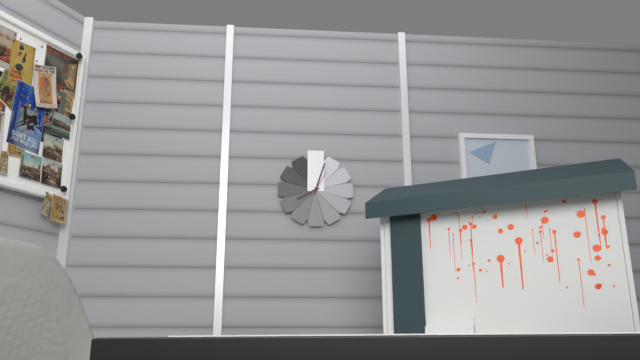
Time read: **8:03**
